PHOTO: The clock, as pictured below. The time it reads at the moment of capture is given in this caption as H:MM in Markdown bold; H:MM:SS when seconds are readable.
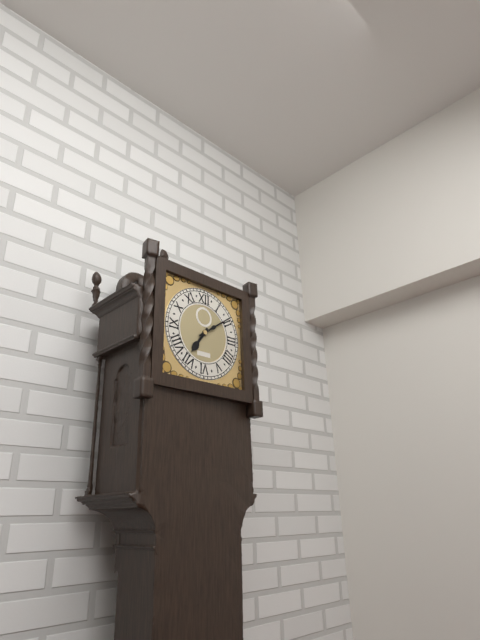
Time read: **7:09**
